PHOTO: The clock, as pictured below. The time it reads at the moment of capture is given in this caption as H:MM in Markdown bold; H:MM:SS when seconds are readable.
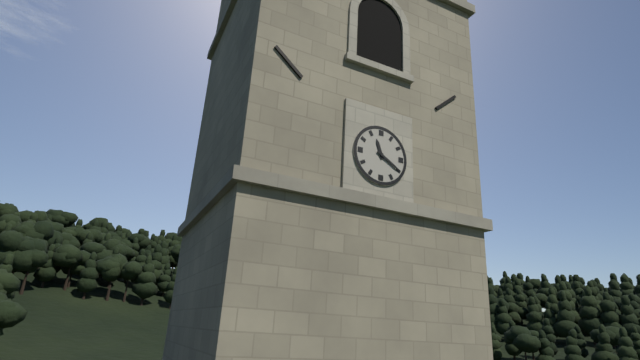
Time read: **11:20**
